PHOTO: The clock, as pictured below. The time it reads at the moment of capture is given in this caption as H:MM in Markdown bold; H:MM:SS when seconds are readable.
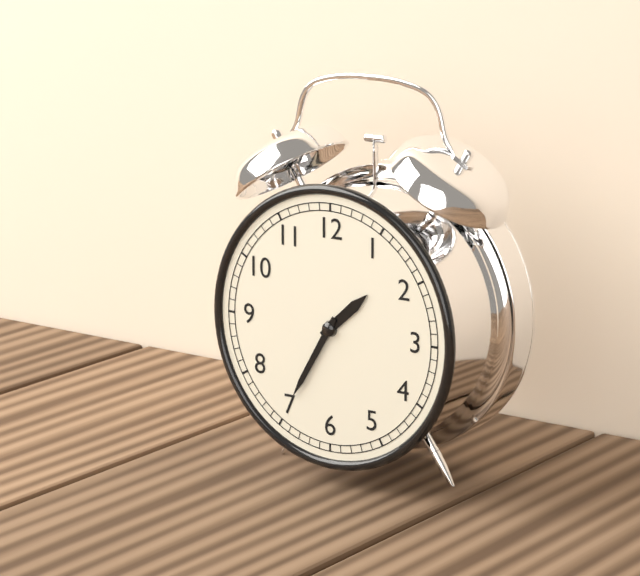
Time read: **1:35**
